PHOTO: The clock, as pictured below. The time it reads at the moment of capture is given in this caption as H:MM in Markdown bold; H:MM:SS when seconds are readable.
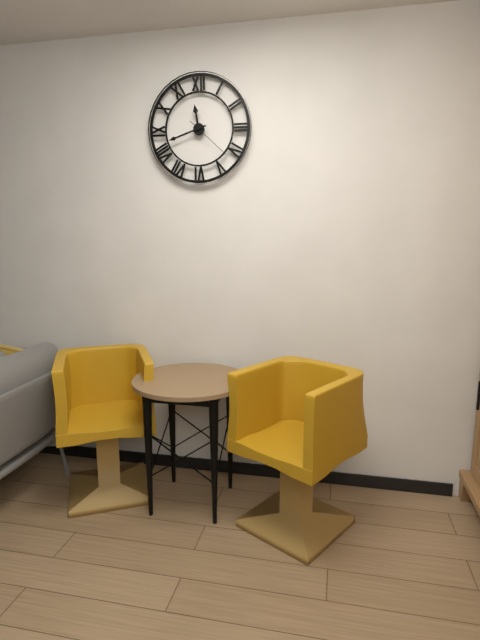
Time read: **11:42**
